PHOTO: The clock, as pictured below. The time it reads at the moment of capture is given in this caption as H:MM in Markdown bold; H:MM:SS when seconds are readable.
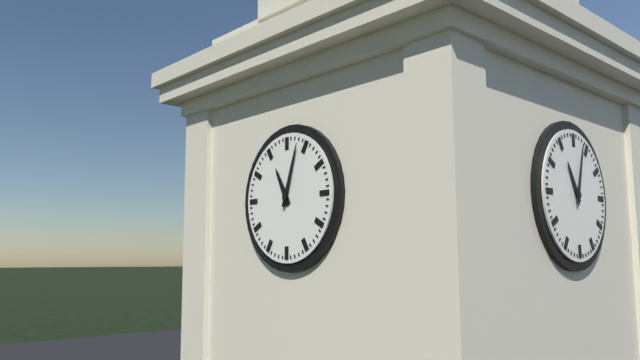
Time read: **11:03**
